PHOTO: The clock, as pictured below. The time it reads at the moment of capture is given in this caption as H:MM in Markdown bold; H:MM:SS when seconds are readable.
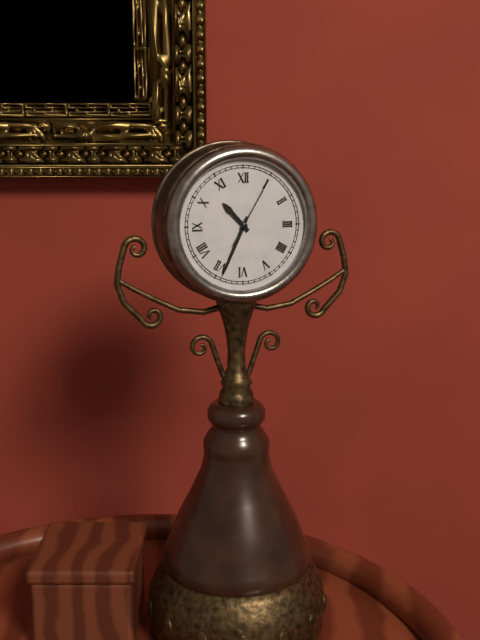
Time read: **10:34:05**
